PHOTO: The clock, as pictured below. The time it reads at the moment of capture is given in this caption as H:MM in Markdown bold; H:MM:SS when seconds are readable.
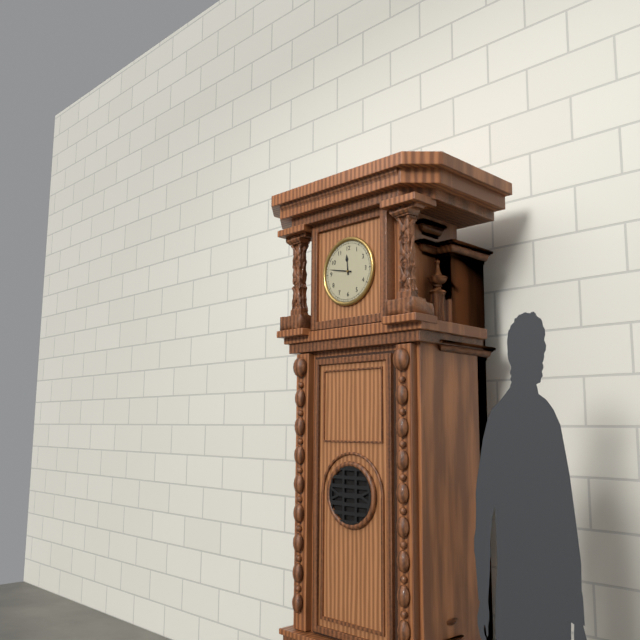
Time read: **11:47**
